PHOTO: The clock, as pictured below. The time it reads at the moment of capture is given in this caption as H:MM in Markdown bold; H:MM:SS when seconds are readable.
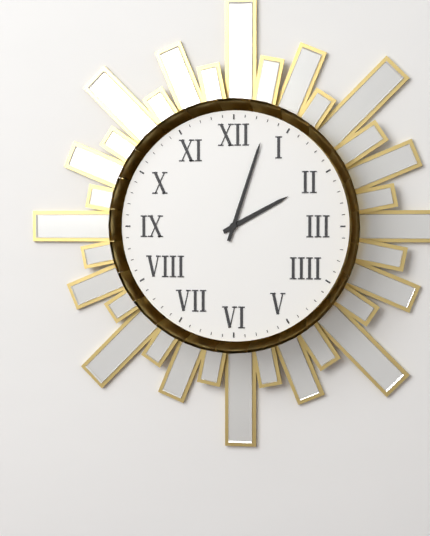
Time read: **2:03**
